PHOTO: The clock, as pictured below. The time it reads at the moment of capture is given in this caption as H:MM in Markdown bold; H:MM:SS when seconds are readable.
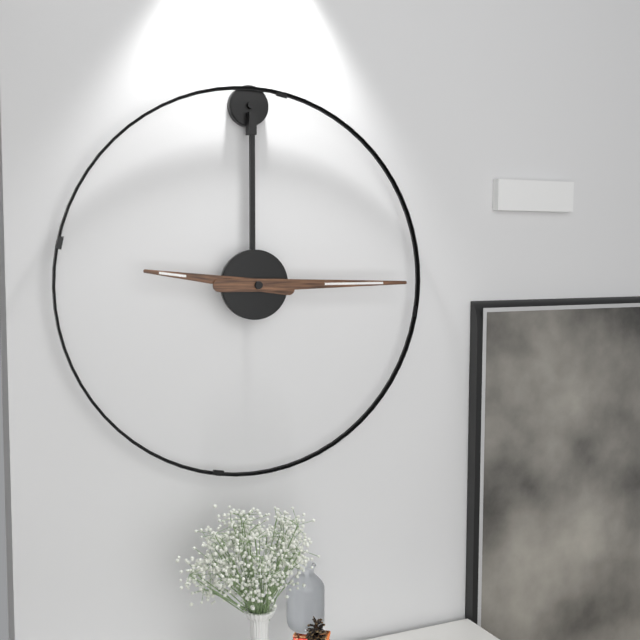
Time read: **9:15**
